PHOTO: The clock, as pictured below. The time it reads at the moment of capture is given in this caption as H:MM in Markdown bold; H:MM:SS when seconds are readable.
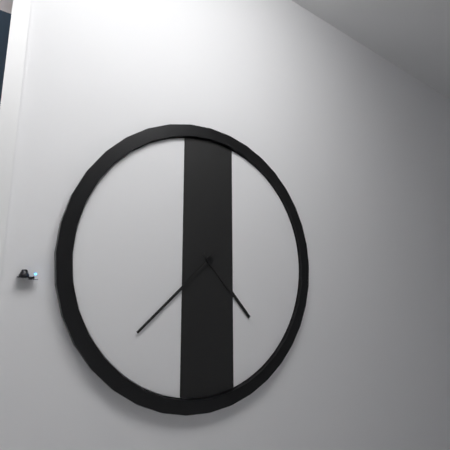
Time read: **4:38**
